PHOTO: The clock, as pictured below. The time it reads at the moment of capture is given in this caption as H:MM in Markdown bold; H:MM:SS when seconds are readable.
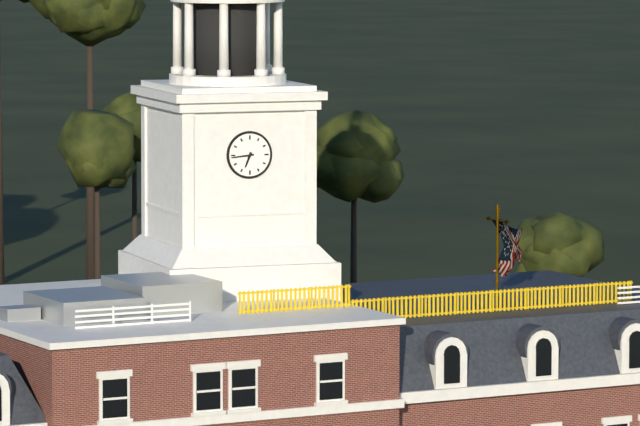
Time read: **6:44**
